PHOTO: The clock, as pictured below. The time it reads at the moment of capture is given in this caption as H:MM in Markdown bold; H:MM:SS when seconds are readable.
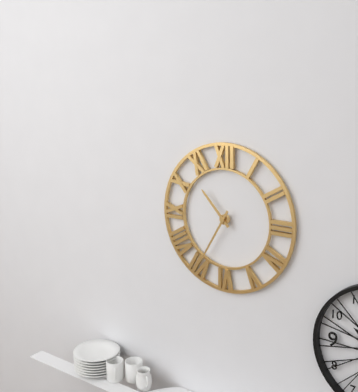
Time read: **10:35**
